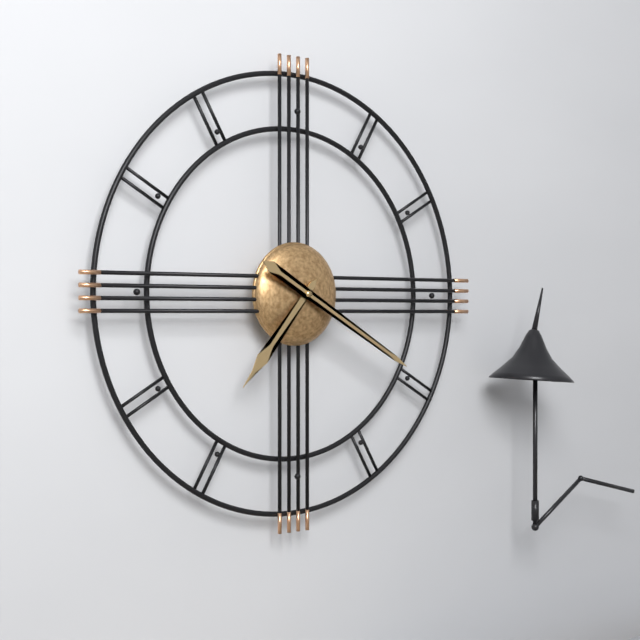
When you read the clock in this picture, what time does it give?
7:20
